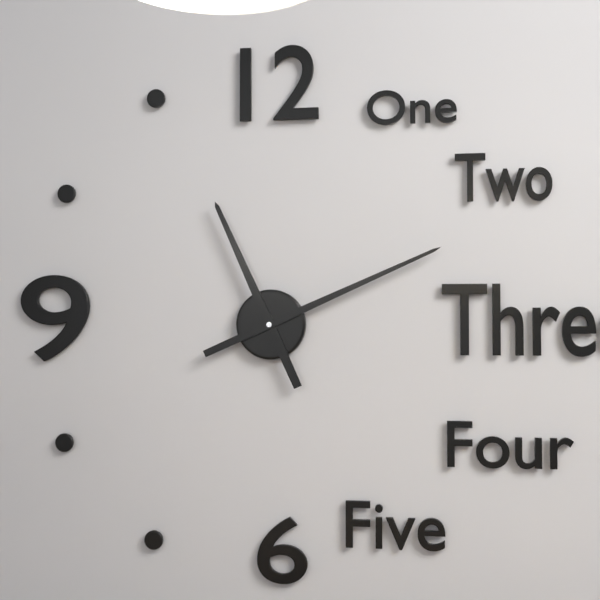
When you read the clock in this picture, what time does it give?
11:11
